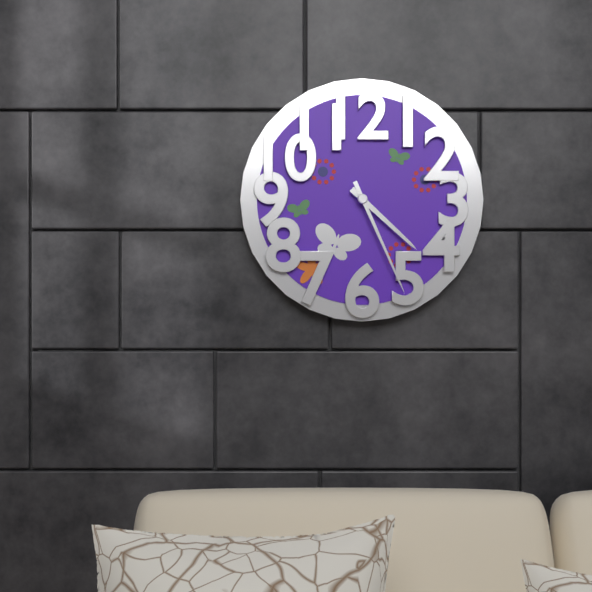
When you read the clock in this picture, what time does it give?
4:26
